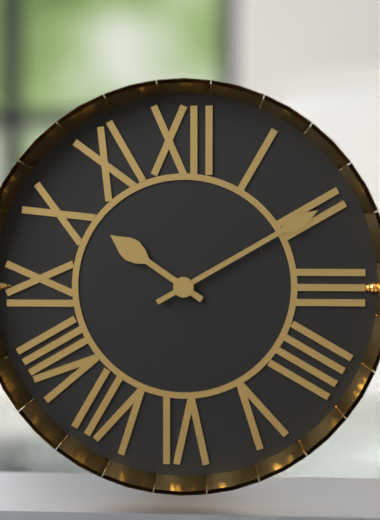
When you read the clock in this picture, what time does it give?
10:10
